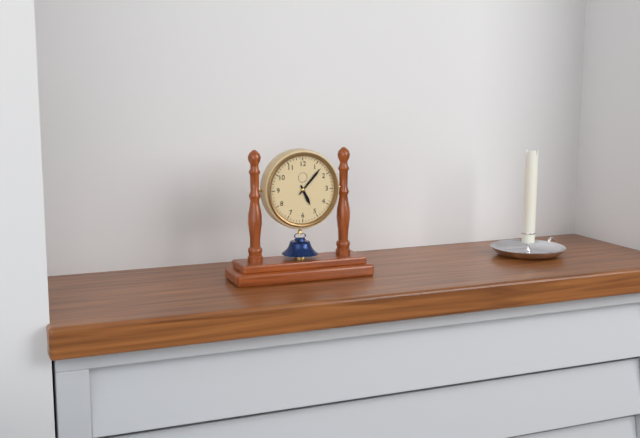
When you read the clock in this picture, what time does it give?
5:07
